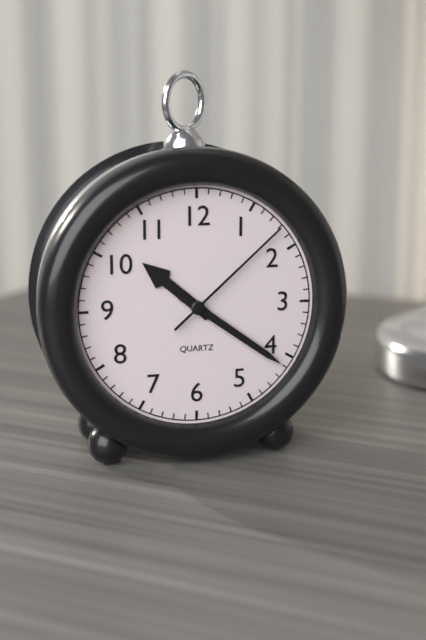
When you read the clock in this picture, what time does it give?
10:21:08
